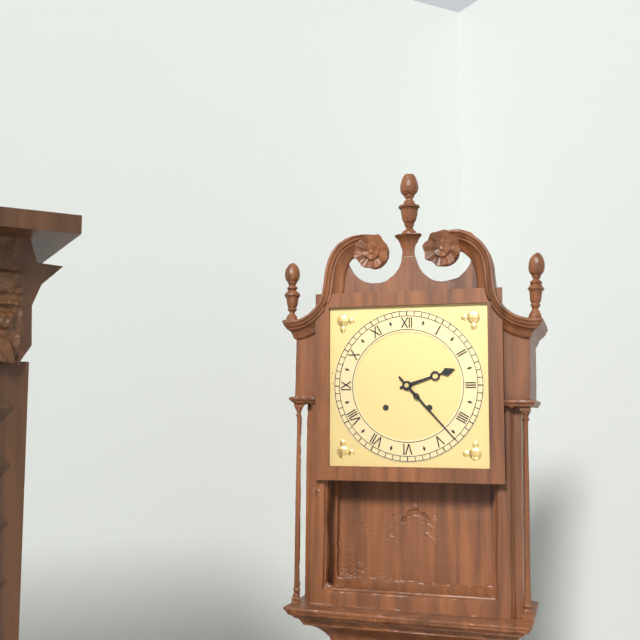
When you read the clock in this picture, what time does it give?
2:23
